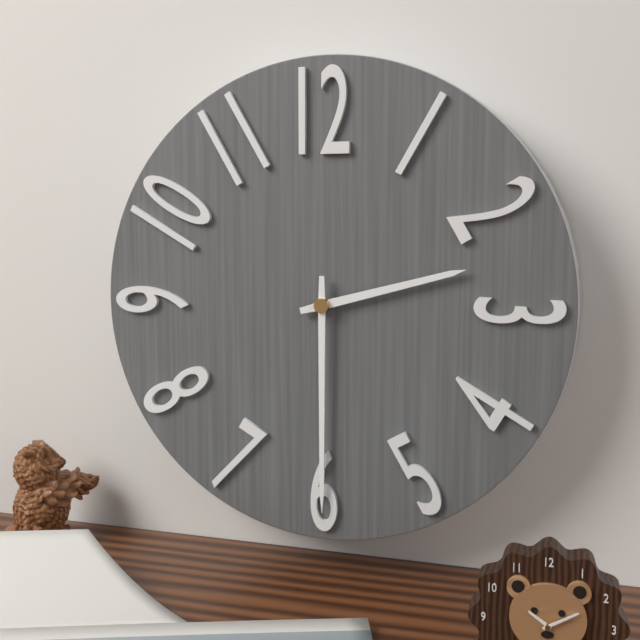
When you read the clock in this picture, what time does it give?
2:30
